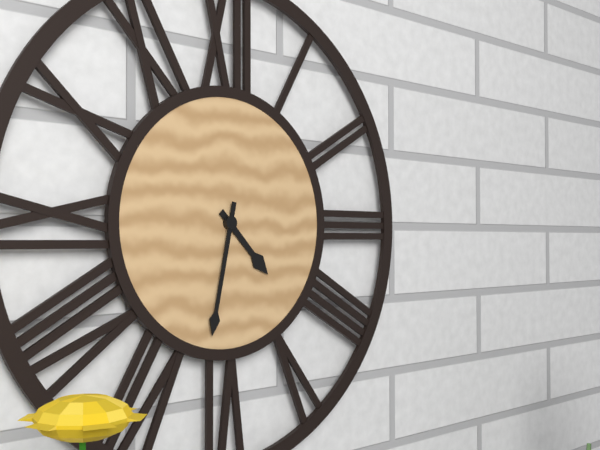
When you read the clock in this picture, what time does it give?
4:32
